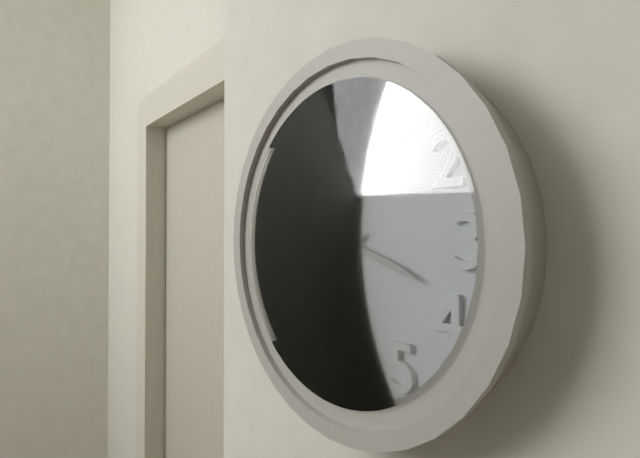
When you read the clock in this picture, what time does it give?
3:39:59
